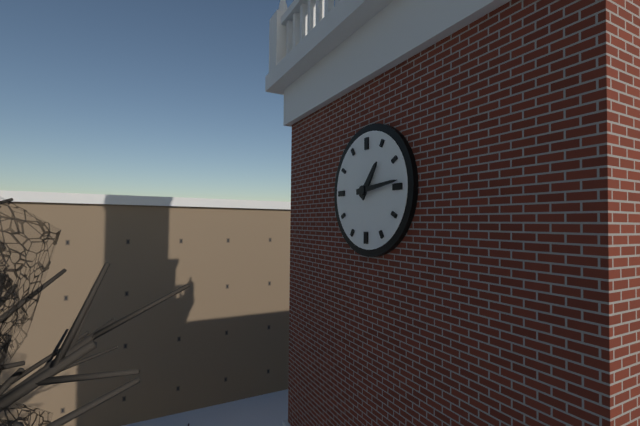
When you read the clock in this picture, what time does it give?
1:14
